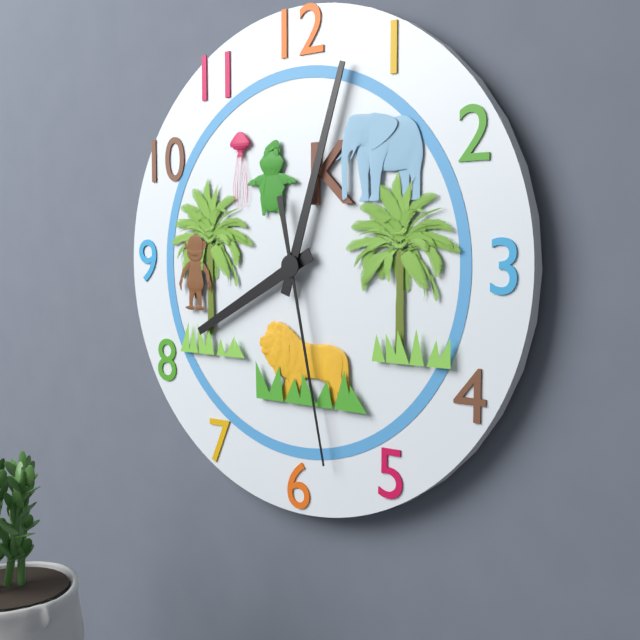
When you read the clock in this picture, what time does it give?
8:03:28
